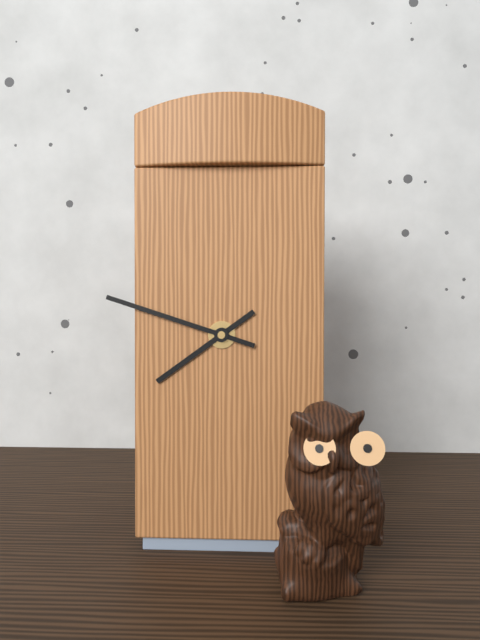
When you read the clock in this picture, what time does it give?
7:48
